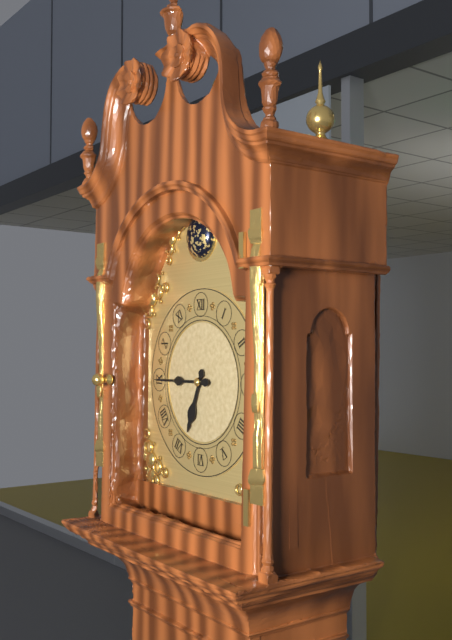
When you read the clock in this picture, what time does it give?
6:45
